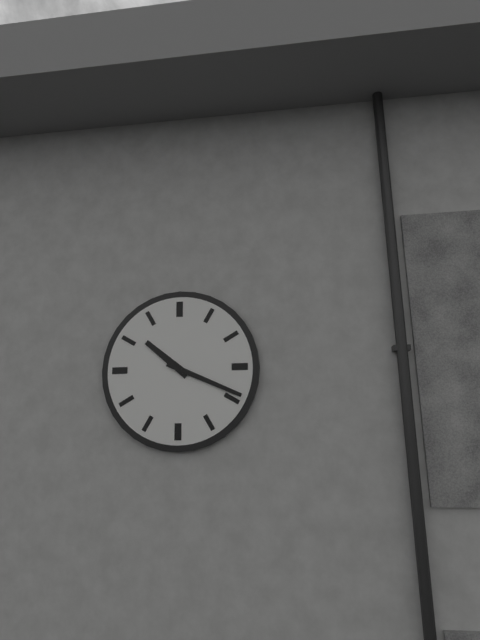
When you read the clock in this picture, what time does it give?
10:19
